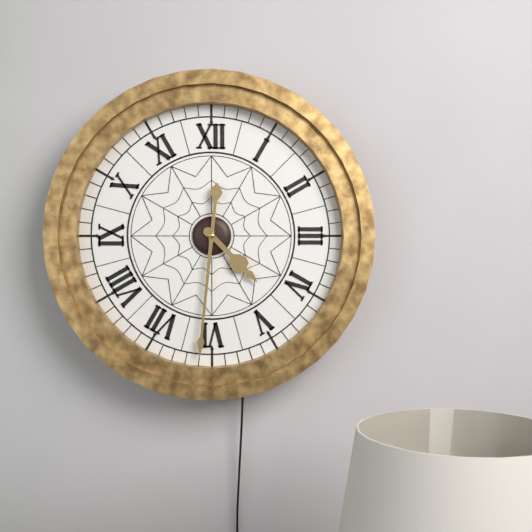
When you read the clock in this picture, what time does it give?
4:31
